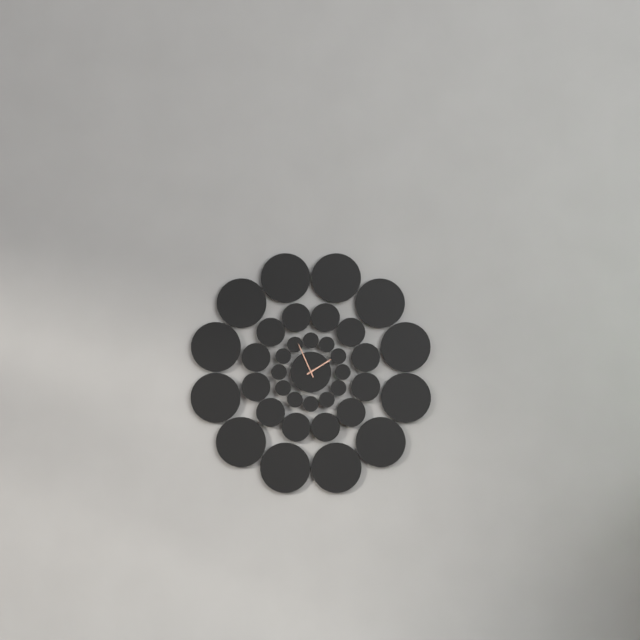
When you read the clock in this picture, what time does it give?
1:56
